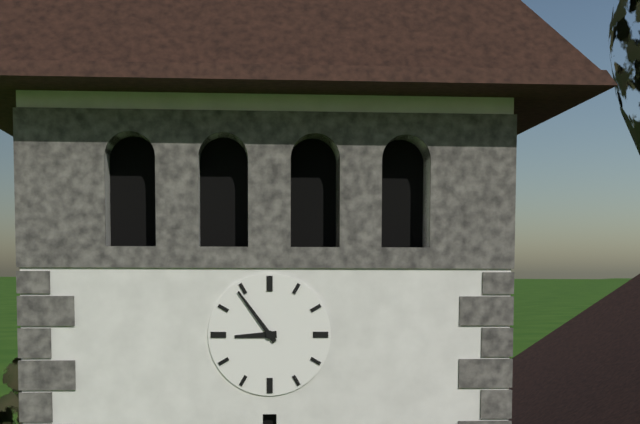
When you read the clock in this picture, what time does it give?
8:54
